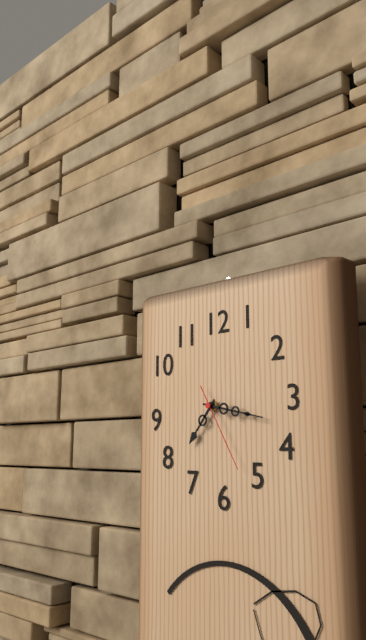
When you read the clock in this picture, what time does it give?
7:17:25
